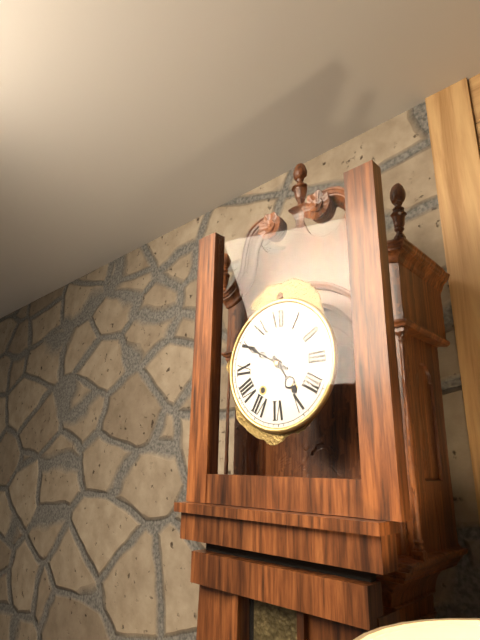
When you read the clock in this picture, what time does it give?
4:50
